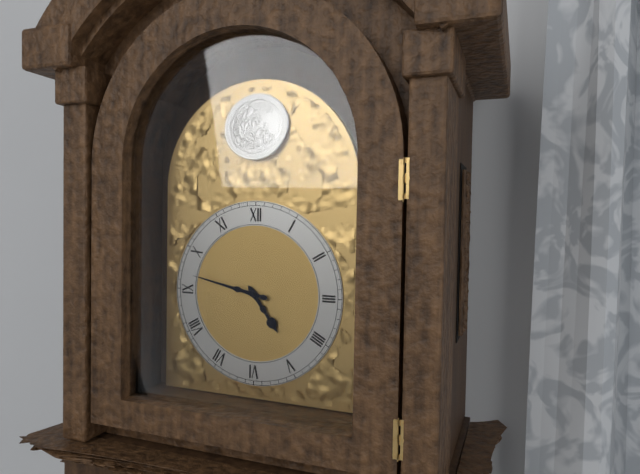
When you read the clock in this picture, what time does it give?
4:47
